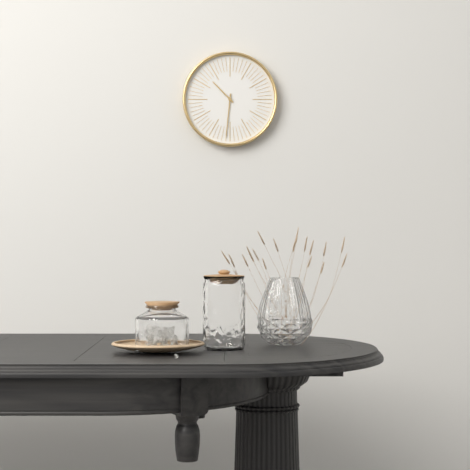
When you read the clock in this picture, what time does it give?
10:31
